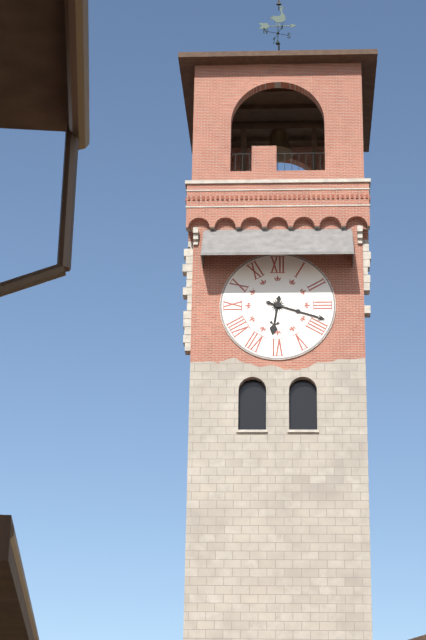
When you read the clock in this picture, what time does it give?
6:18
